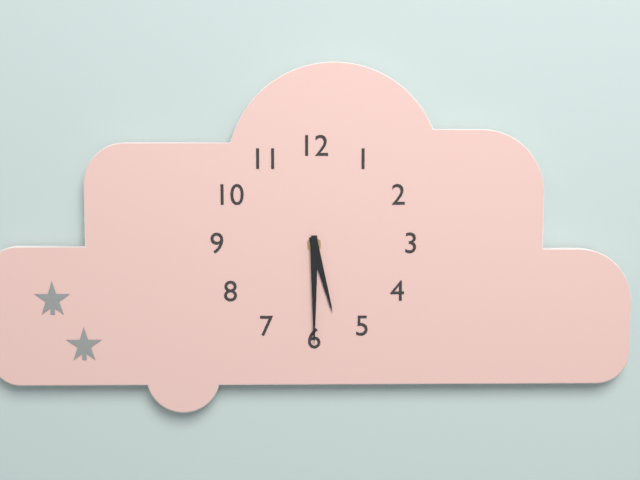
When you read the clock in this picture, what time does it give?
5:30
